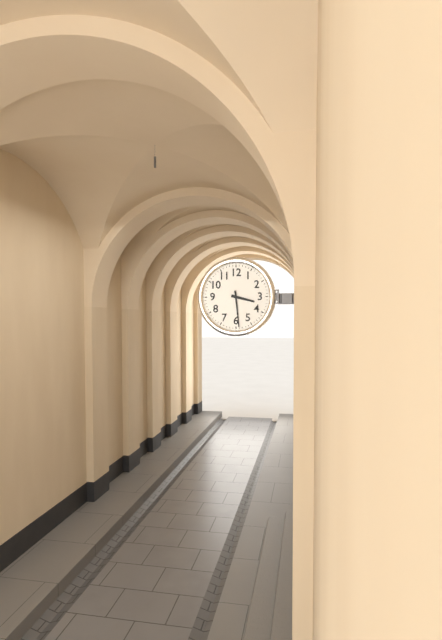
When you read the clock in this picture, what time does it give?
3:29
